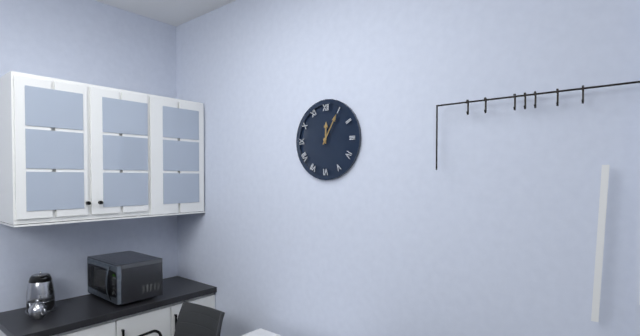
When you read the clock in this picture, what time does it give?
12:05
